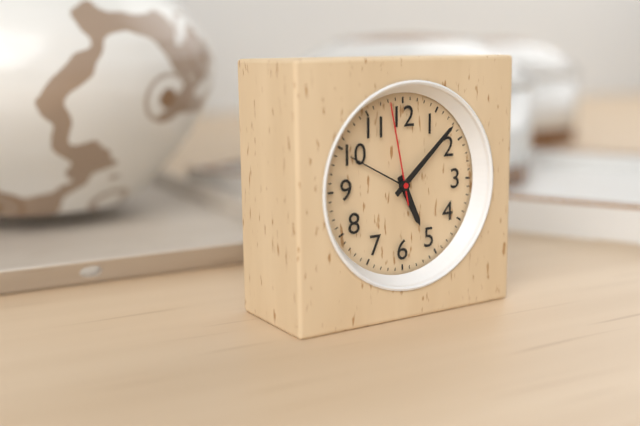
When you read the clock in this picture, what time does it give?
5:08:58
